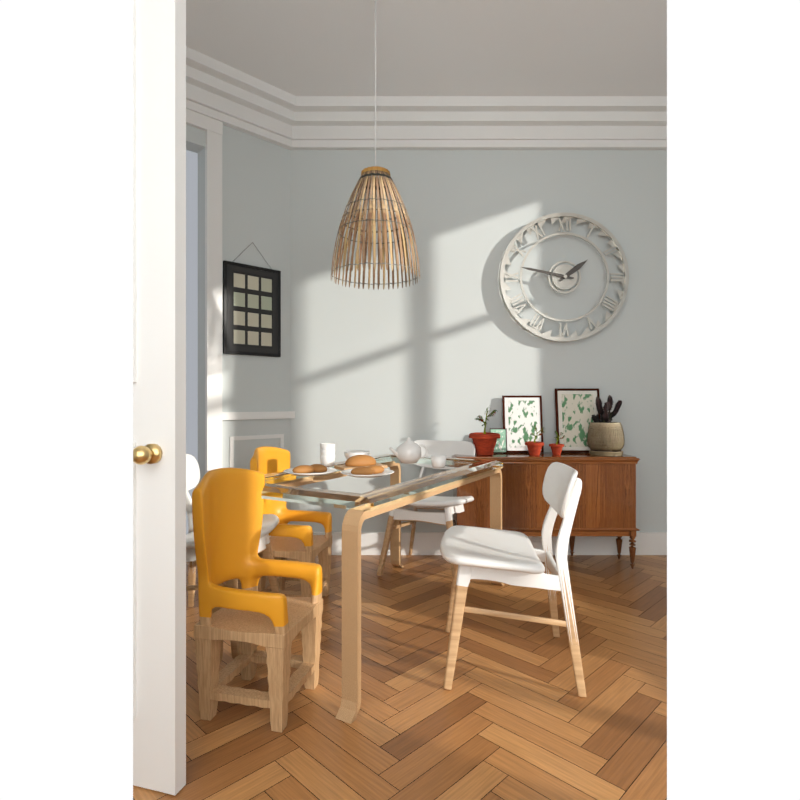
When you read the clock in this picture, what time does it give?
1:47
